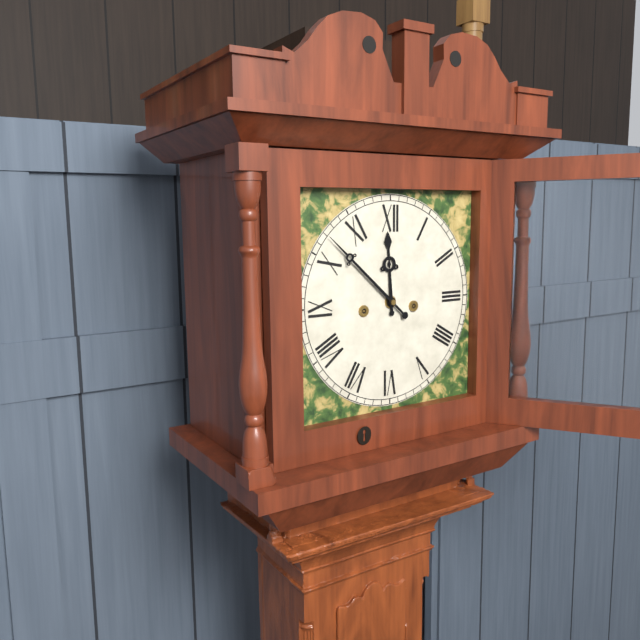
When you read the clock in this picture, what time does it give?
11:52
